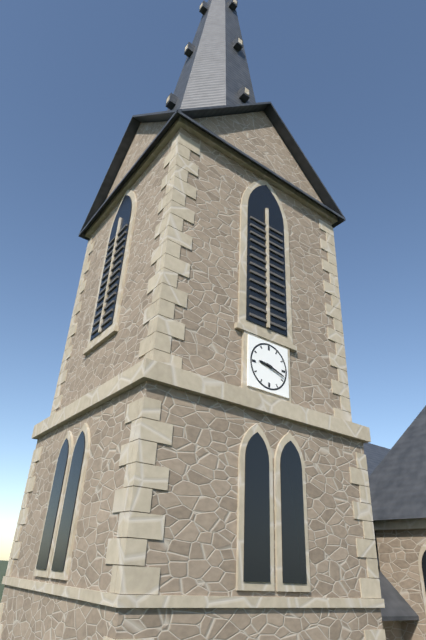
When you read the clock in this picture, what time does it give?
9:18
